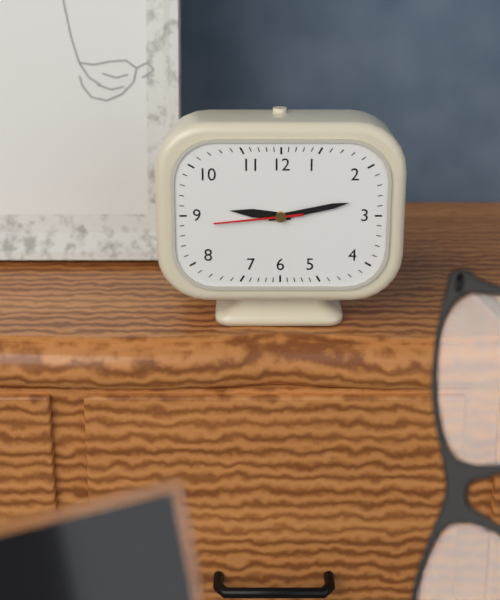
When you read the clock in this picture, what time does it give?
9:13:44
